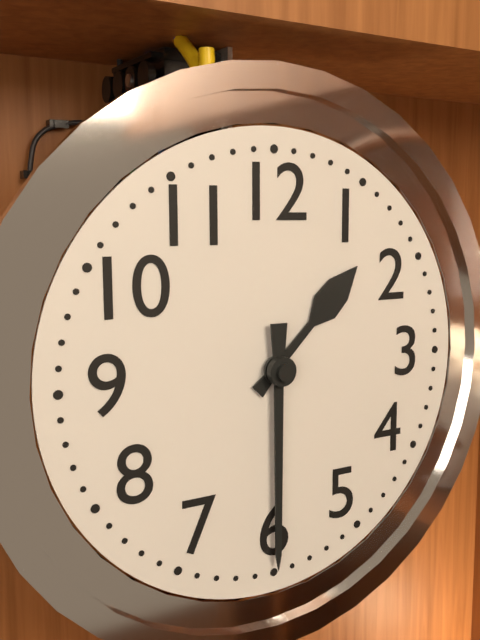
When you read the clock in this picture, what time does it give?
1:30
